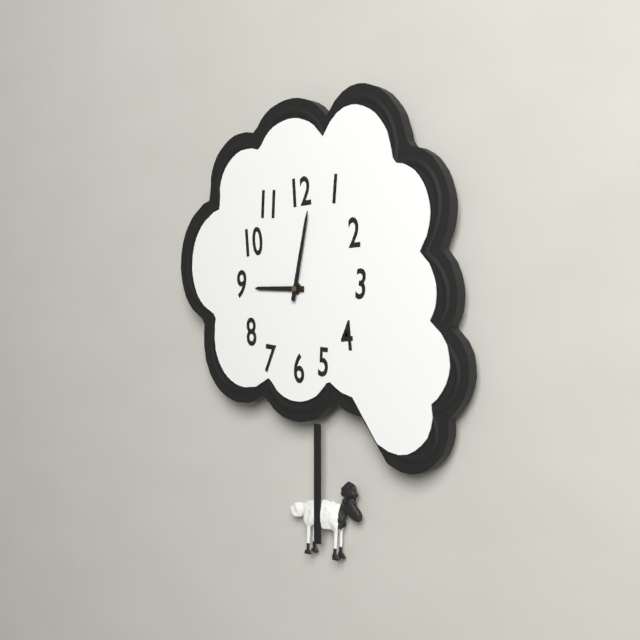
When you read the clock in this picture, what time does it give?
9:02
